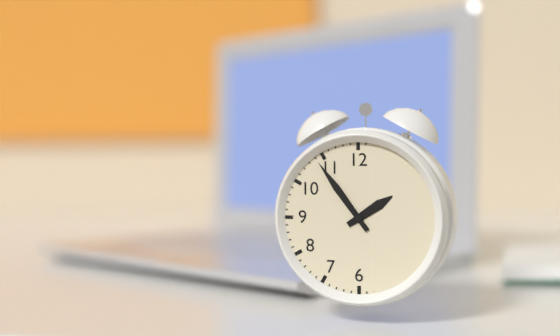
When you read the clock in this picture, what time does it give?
1:54
